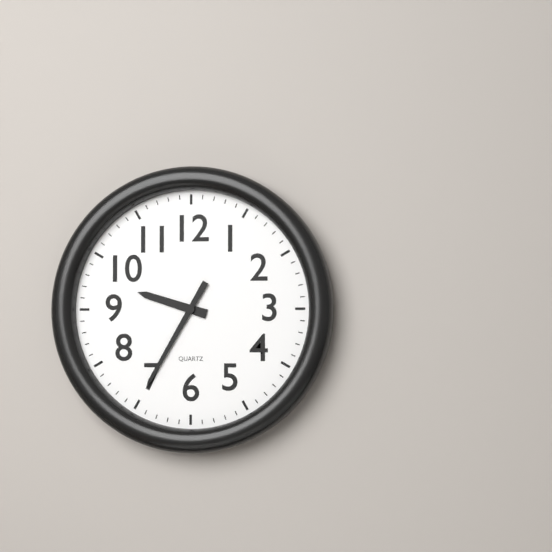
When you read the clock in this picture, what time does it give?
9:35
